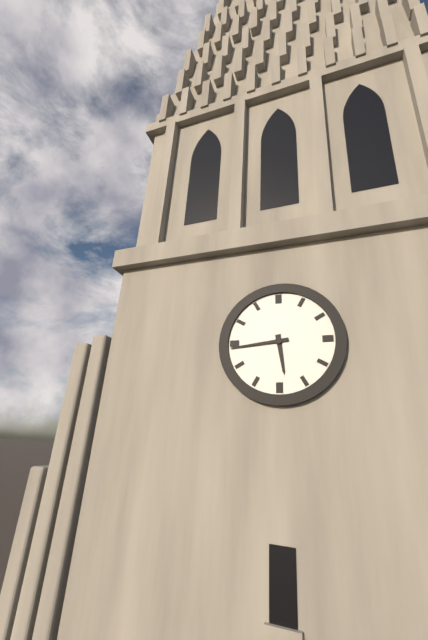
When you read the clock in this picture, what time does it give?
5:44
